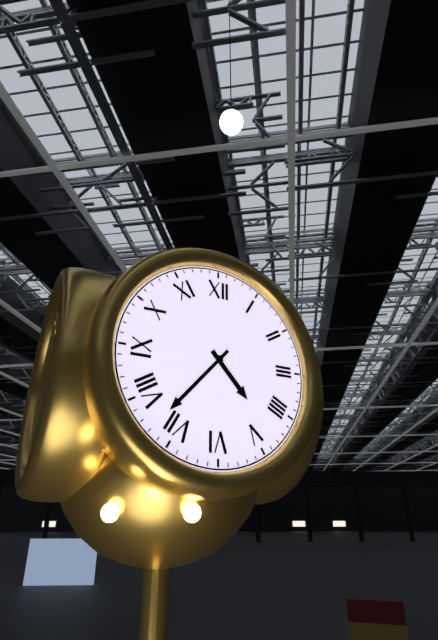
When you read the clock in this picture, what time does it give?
4:37
